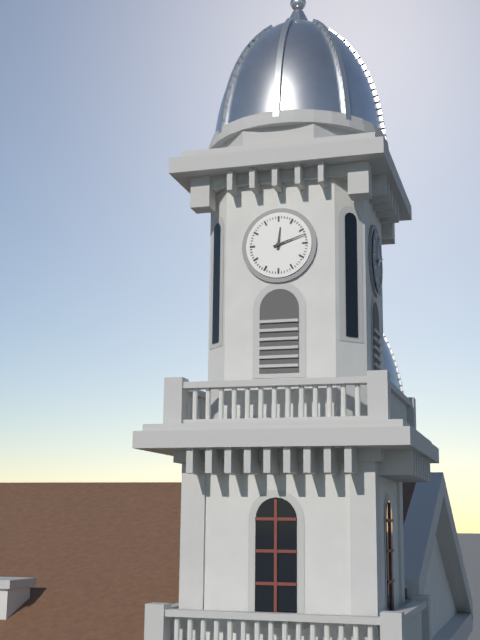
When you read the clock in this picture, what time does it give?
12:12
